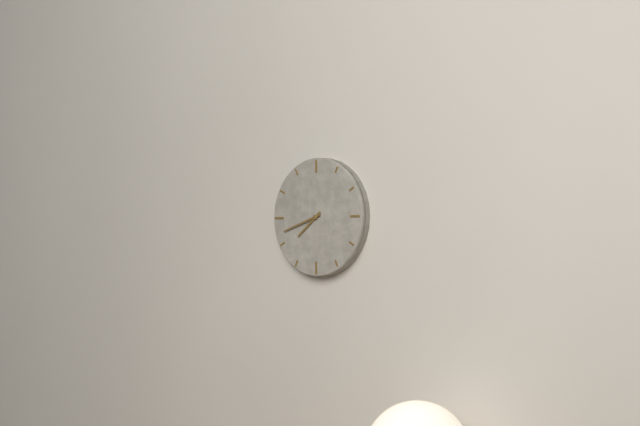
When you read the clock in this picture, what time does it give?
7:42
